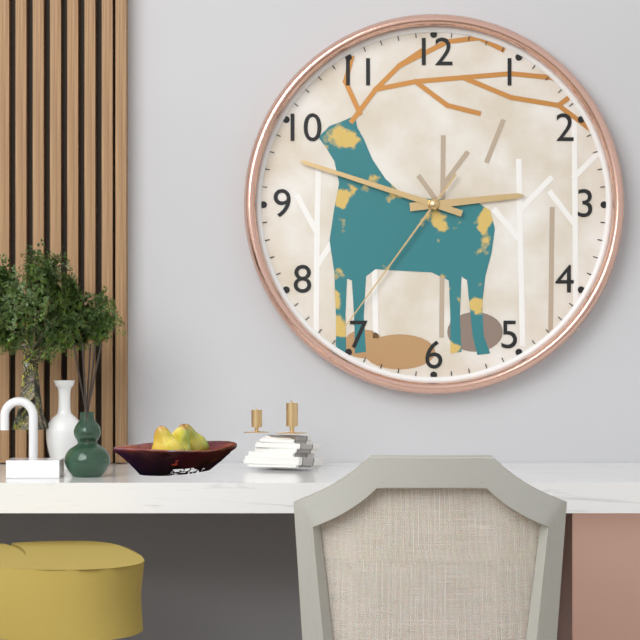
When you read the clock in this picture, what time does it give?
2:48:36
